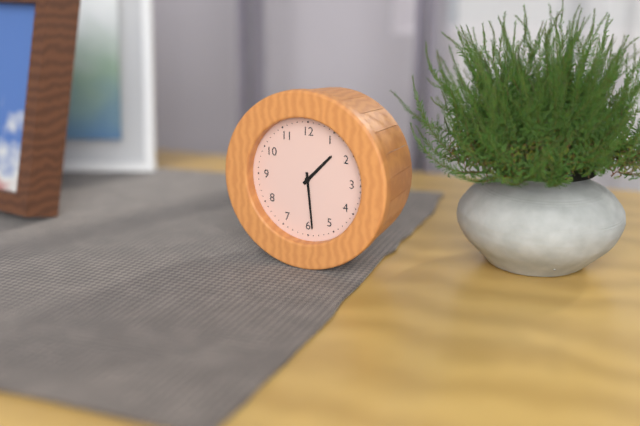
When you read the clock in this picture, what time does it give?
1:29
